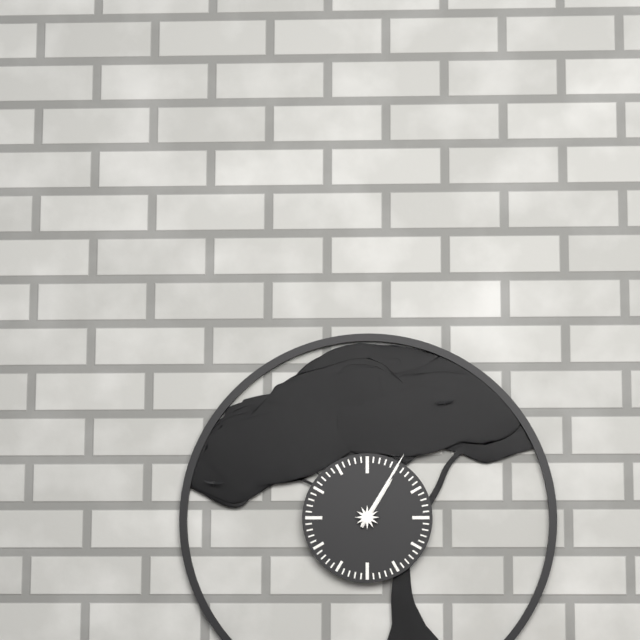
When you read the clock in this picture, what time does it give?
1:05
